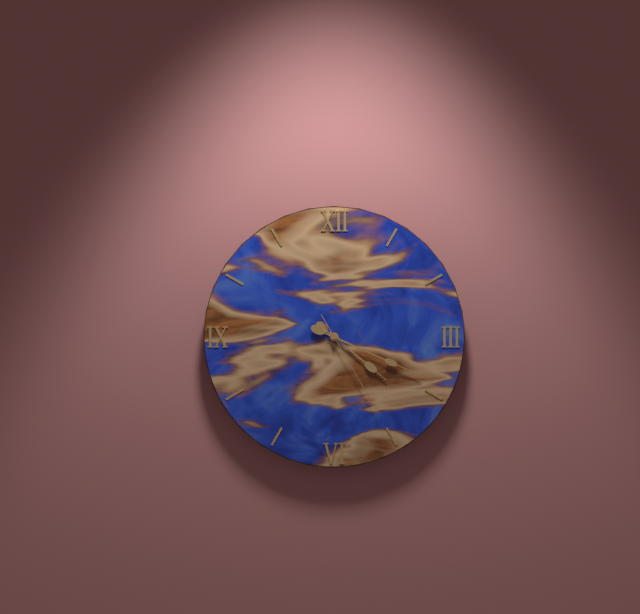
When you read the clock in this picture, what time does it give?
4:19:25
